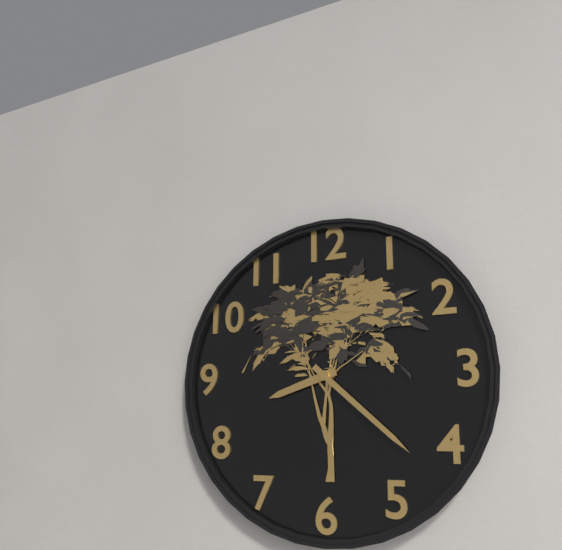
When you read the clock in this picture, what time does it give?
8:22
